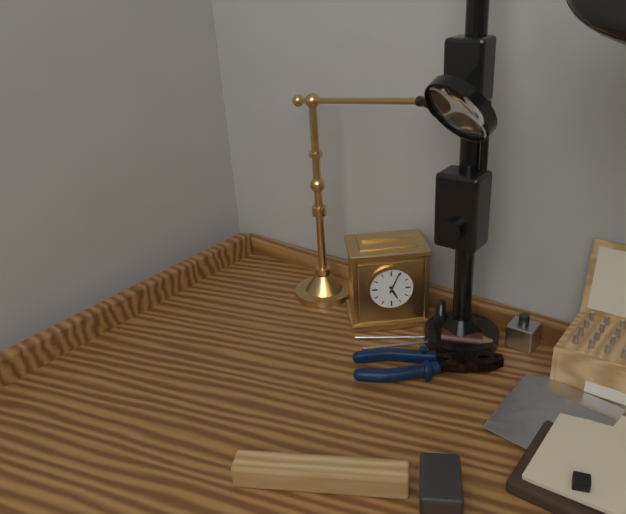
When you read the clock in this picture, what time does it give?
5:04
